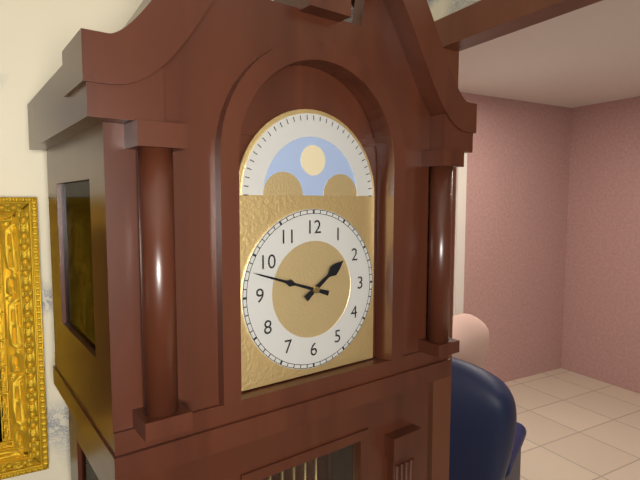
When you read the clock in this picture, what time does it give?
1:48
